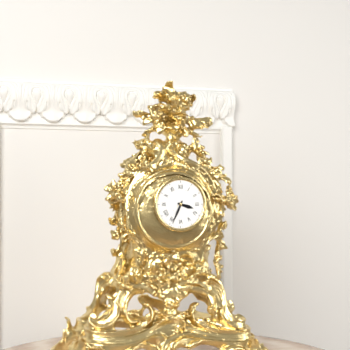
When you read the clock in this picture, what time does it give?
3:34
